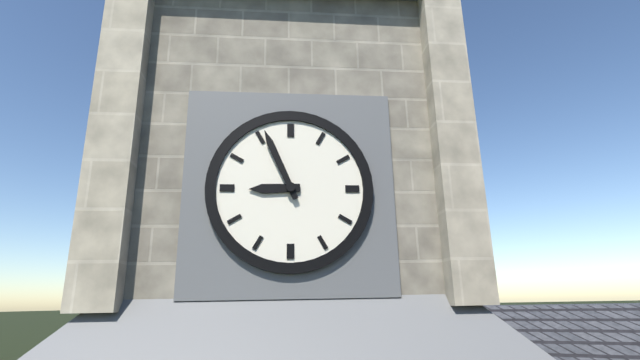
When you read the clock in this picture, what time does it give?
8:56
